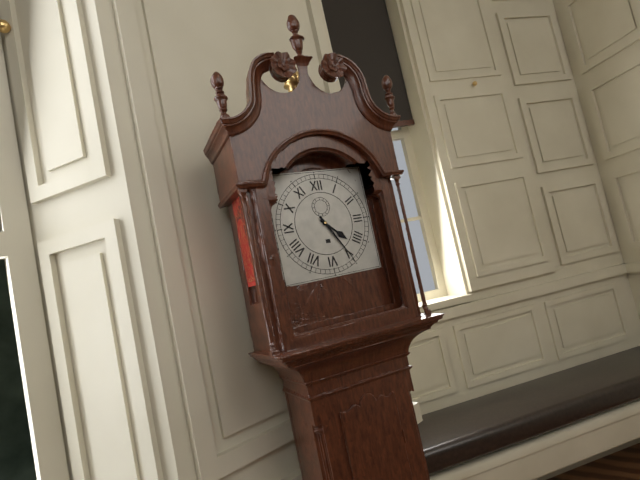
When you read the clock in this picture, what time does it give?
4:25
